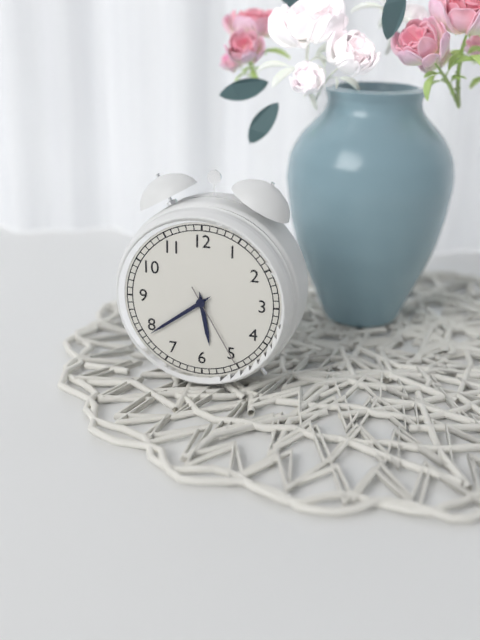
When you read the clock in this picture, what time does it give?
5:39:25
